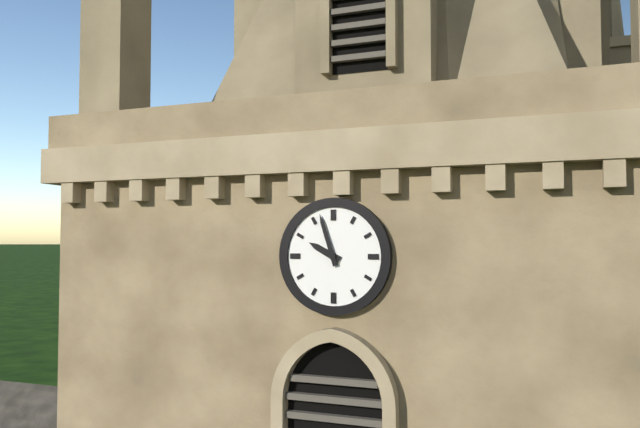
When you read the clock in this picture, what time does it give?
9:57
